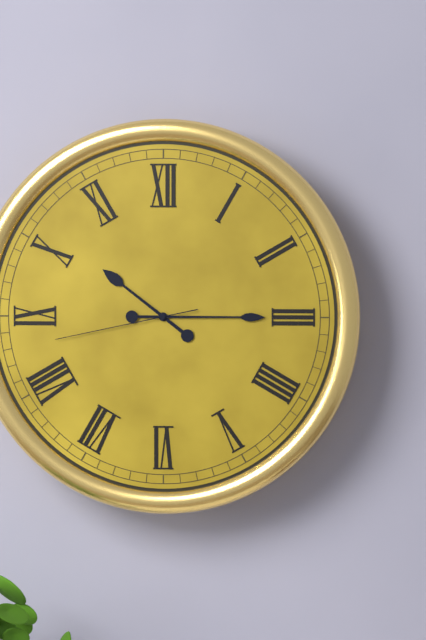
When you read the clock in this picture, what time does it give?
10:15:43
